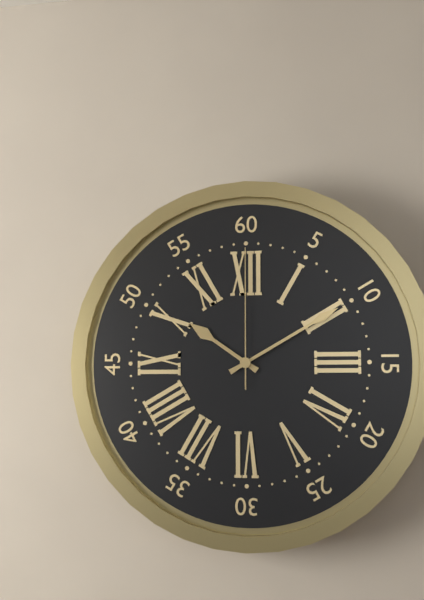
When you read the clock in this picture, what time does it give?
10:10:00
